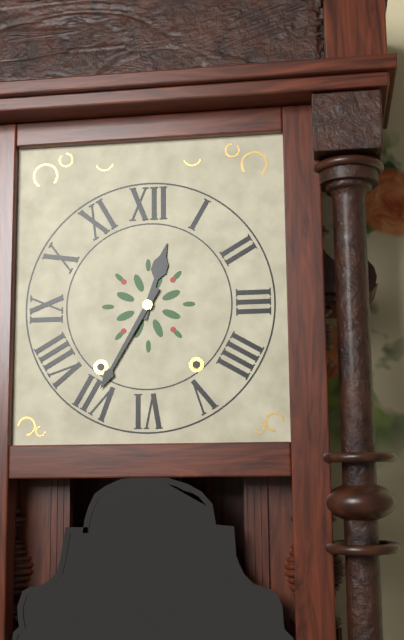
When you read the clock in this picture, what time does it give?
12:35
